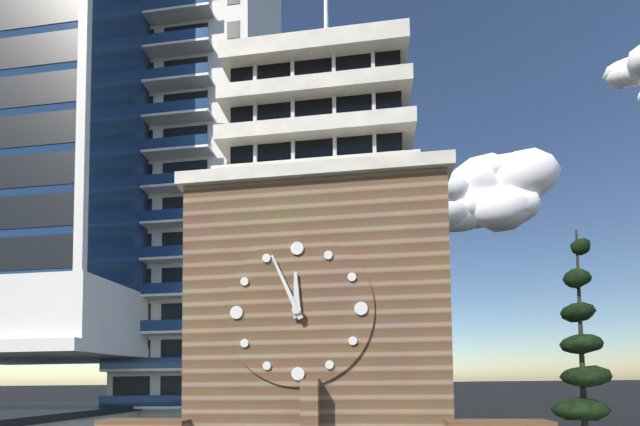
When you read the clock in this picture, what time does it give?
11:56
